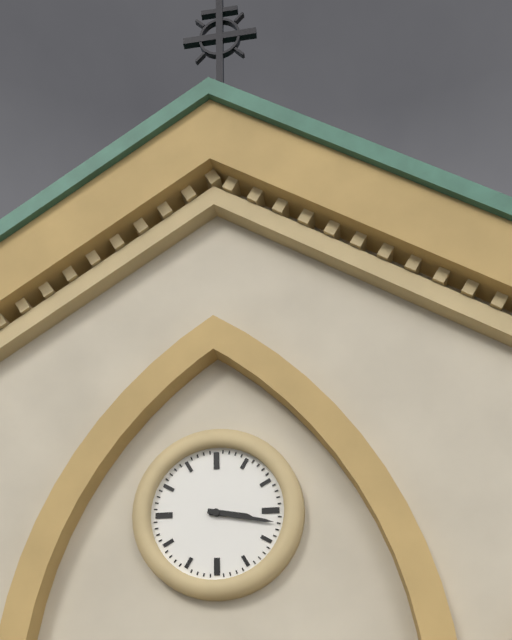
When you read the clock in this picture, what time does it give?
3:17
